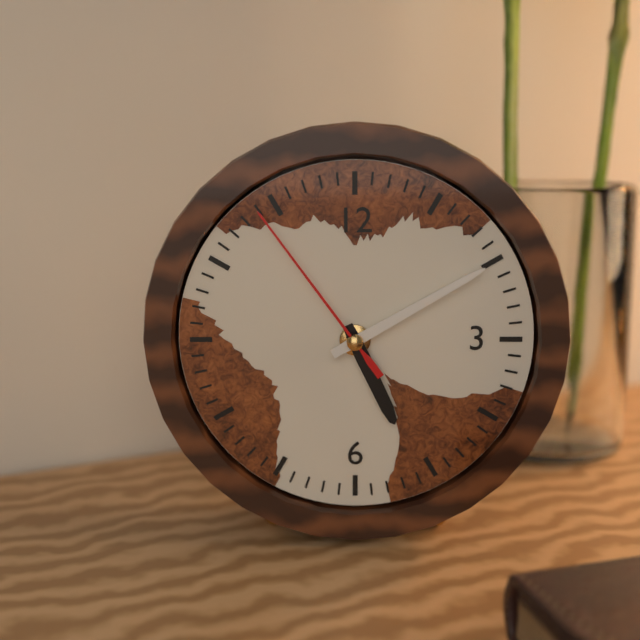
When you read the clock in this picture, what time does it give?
5:10:54
